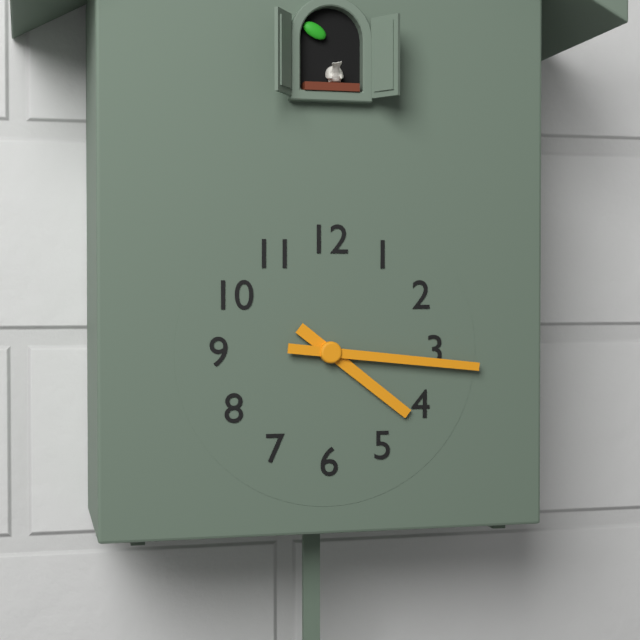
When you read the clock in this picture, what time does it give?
4:16
